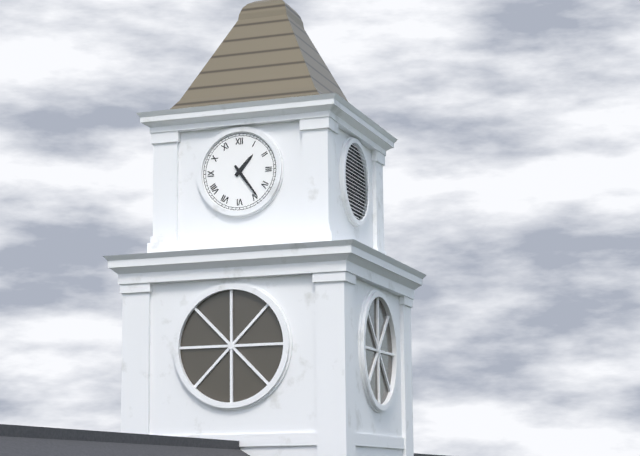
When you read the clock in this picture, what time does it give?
1:24
